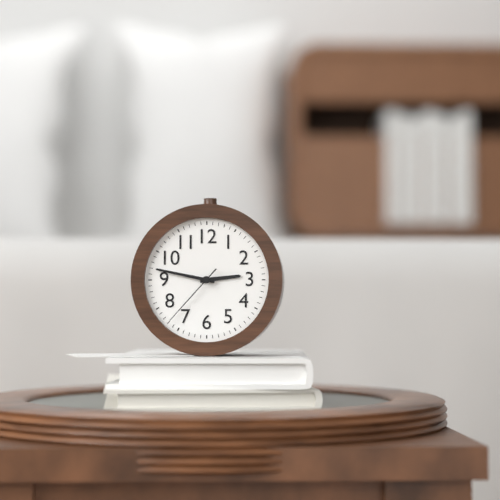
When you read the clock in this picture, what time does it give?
2:47:37
